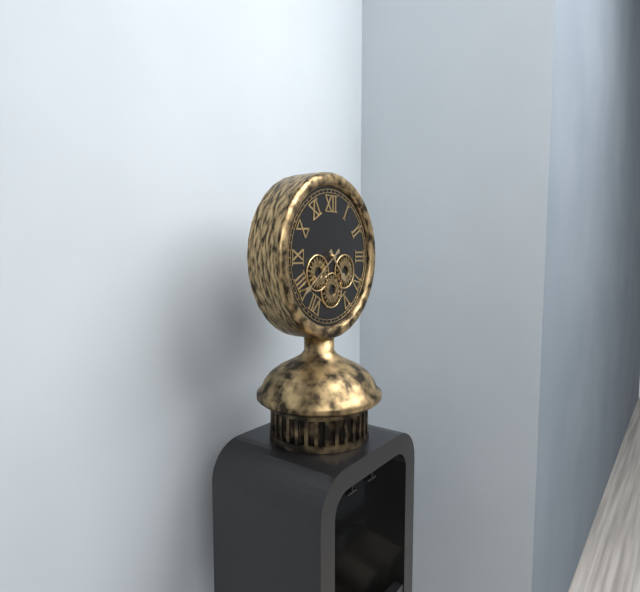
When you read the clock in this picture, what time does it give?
4:39
